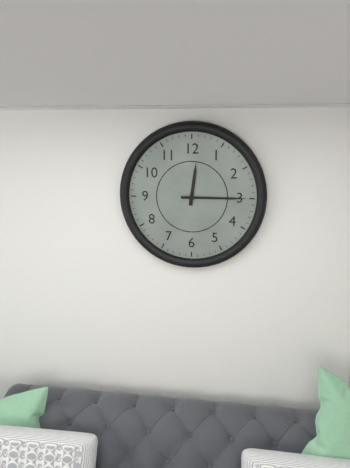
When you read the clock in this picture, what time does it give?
12:15
